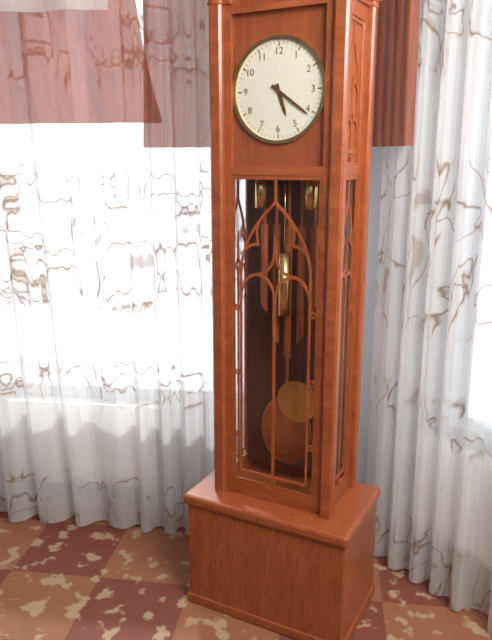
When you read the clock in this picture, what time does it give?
5:21
